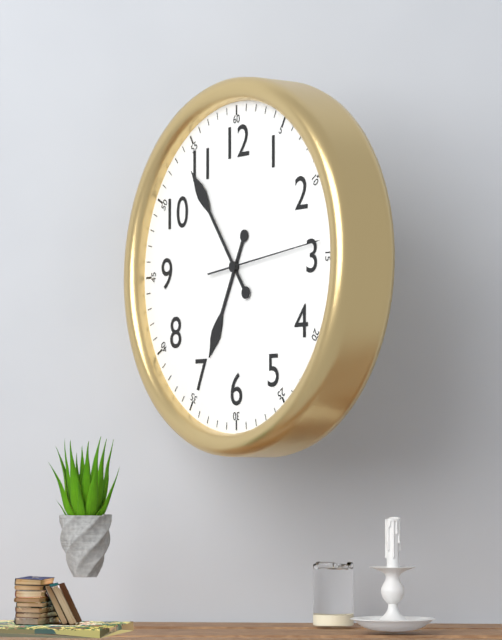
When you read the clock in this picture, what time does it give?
6:54:14
